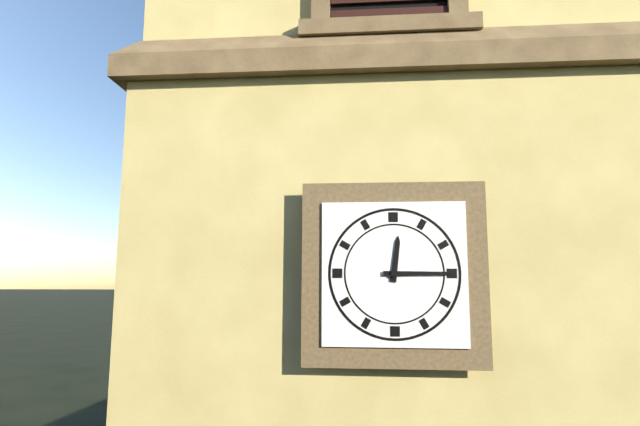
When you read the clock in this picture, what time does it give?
12:15
